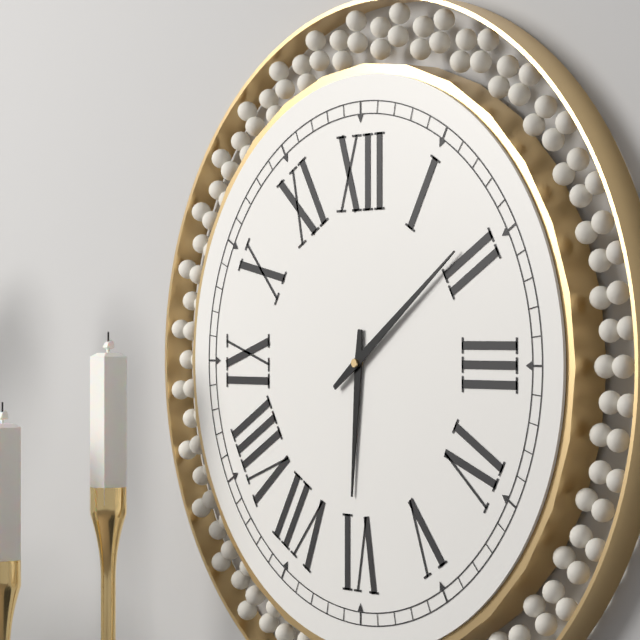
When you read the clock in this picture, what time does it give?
6:09
